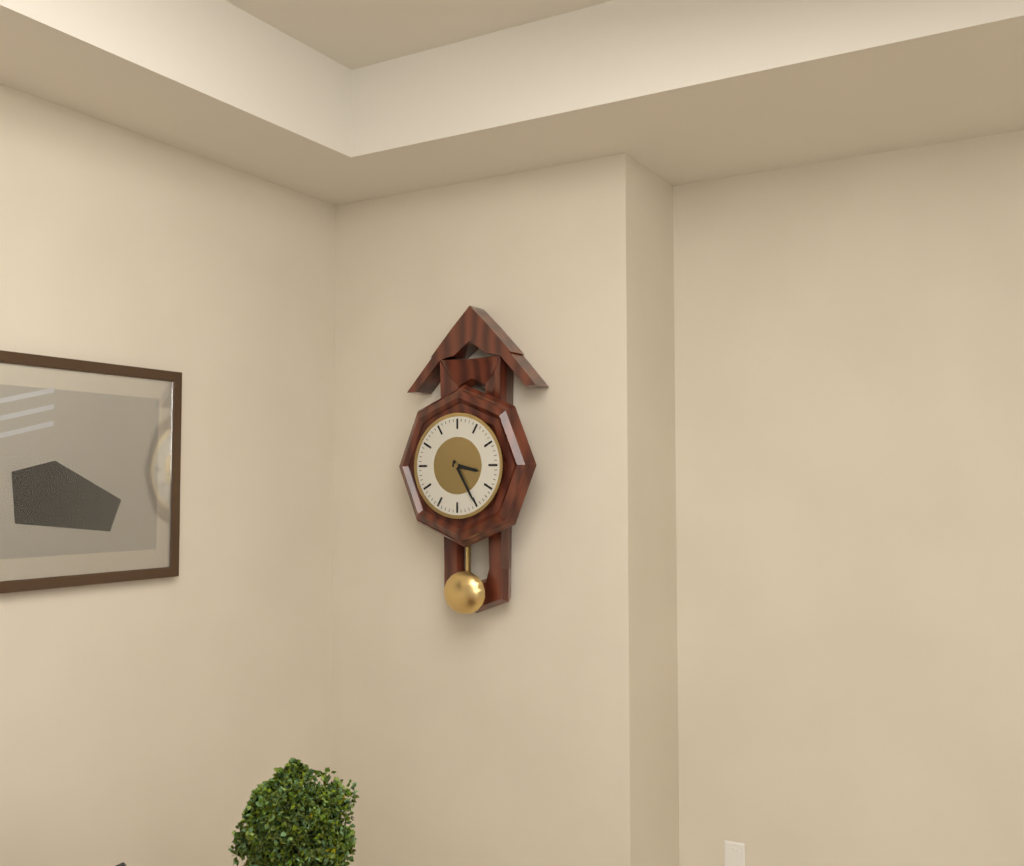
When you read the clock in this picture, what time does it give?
3:25
